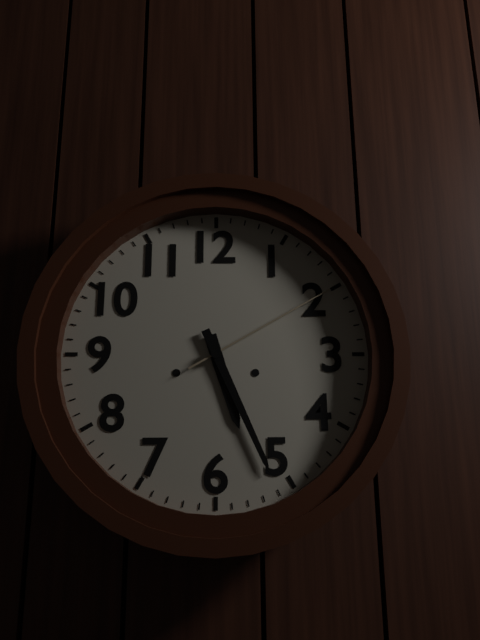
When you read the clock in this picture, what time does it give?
5:26:10
